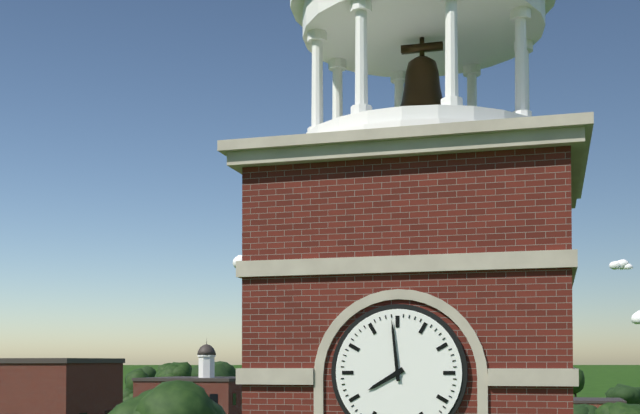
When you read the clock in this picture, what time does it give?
7:59
